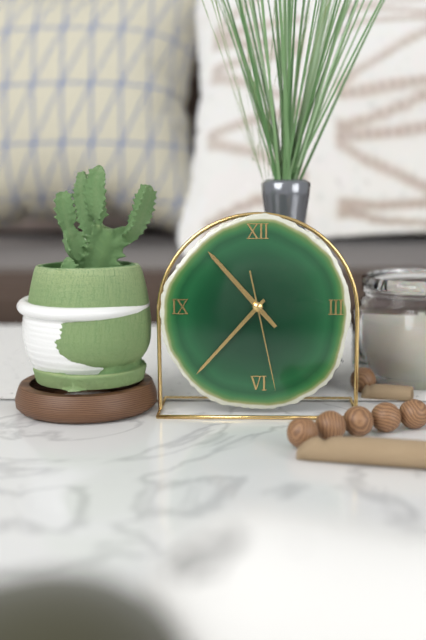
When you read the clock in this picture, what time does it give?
10:37:28
